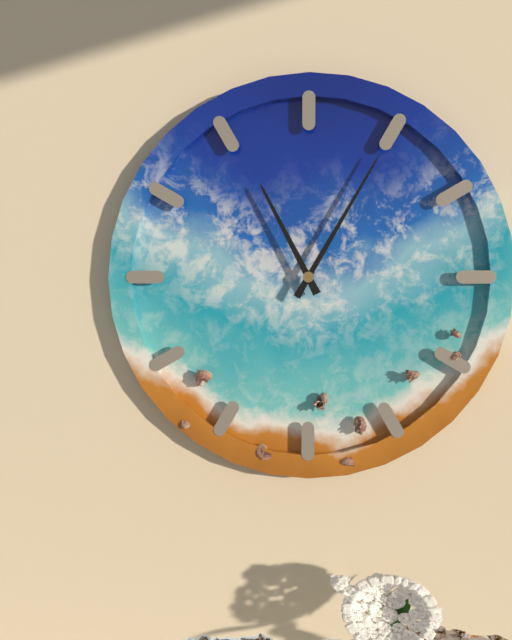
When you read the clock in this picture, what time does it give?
11:05
